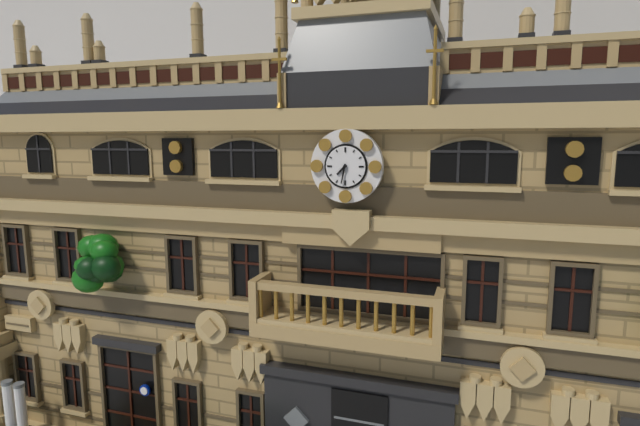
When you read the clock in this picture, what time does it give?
7:32
